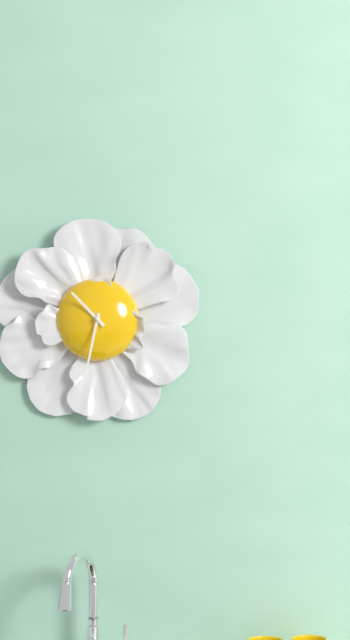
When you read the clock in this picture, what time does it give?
10:32
